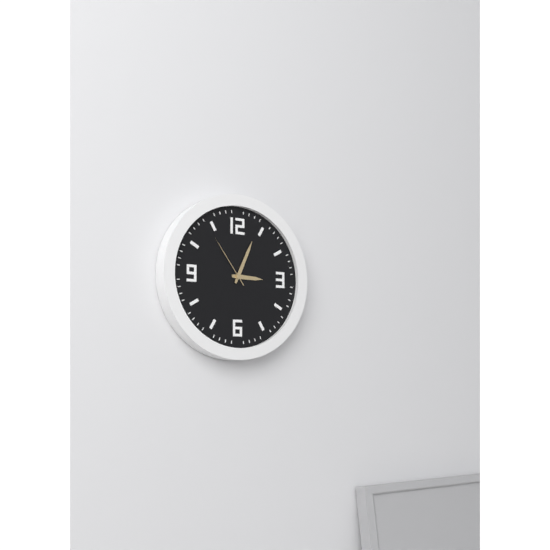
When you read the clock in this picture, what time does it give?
3:04:54
